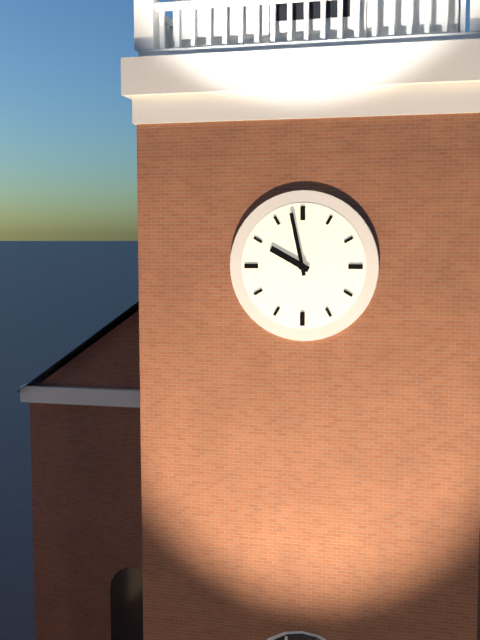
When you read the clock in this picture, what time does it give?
9:58
